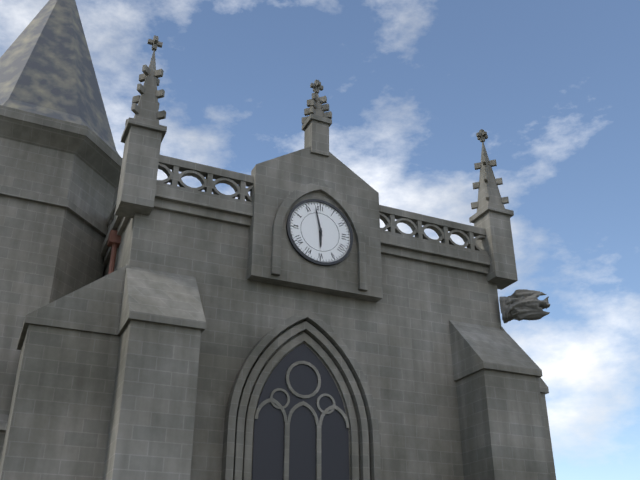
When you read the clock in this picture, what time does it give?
5:58
